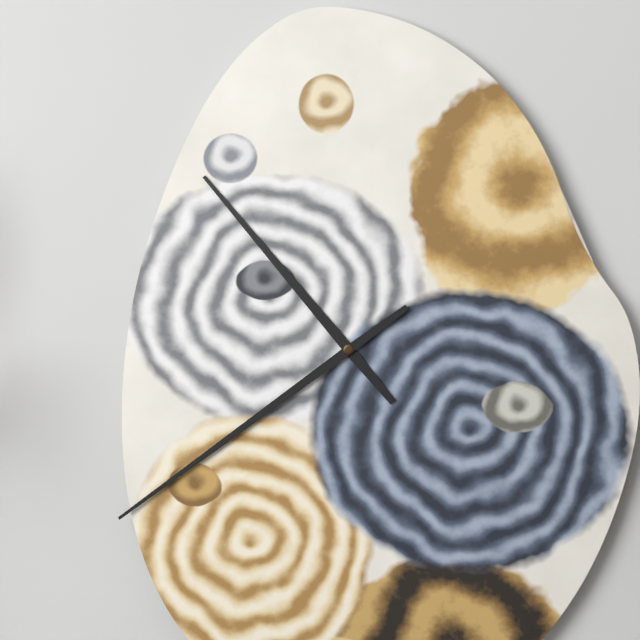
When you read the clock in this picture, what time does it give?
10:39
